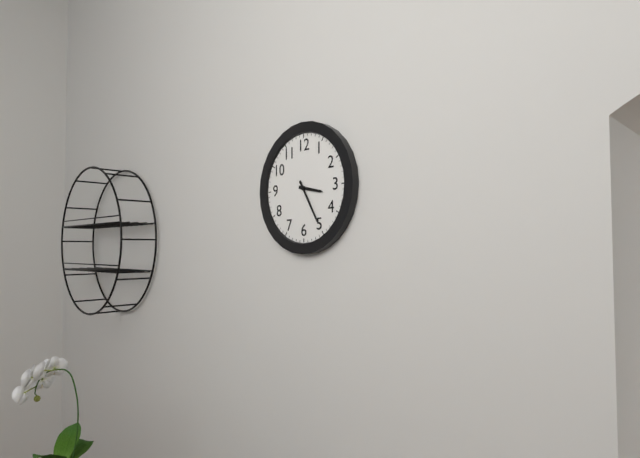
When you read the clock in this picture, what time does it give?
3:25
